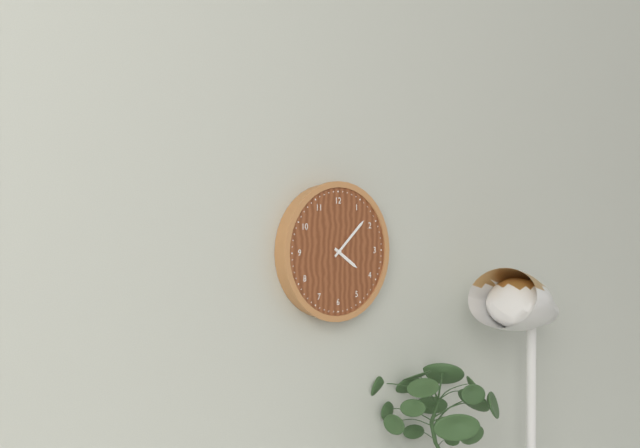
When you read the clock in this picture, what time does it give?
4:08
